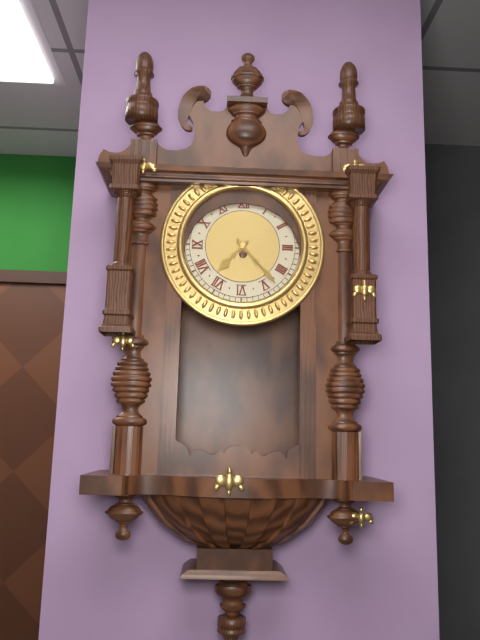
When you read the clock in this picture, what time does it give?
7:23
